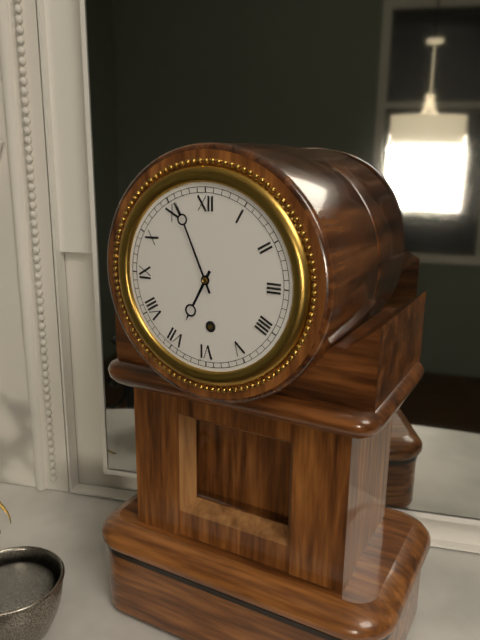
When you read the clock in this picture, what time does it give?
6:56
